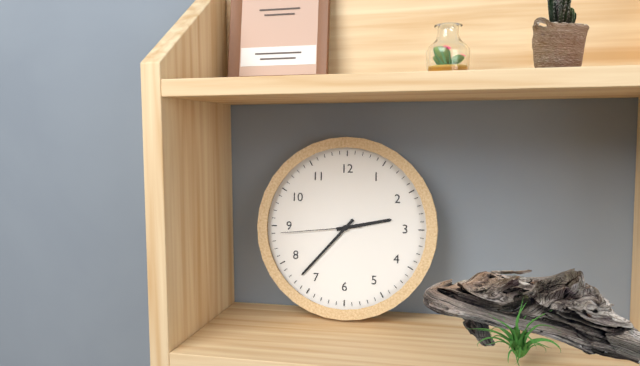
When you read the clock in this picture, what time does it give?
2:37:44
